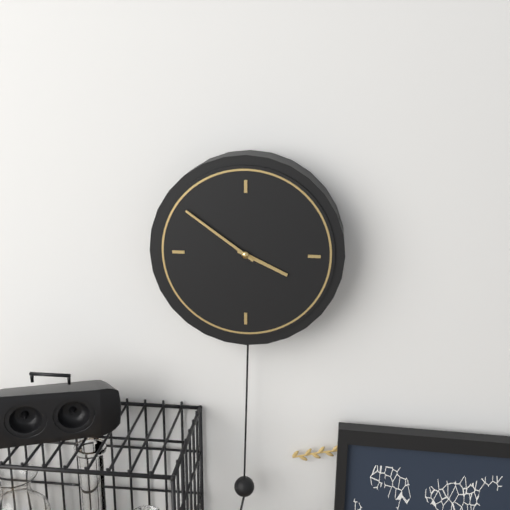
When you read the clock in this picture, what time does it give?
3:51
